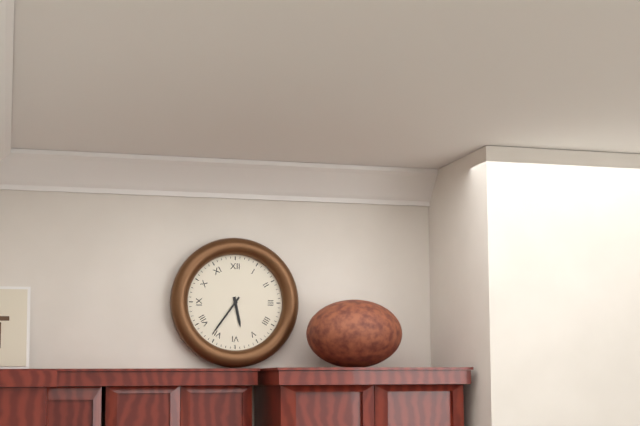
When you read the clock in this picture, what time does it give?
5:36
